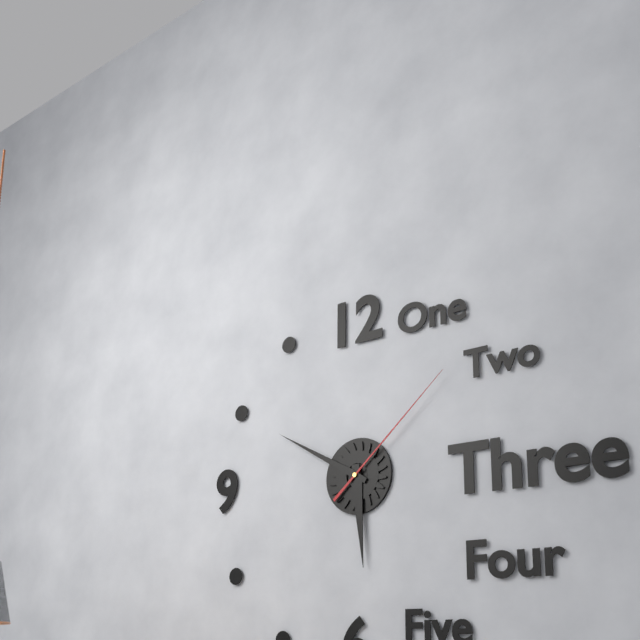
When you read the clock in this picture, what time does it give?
5:50:08
